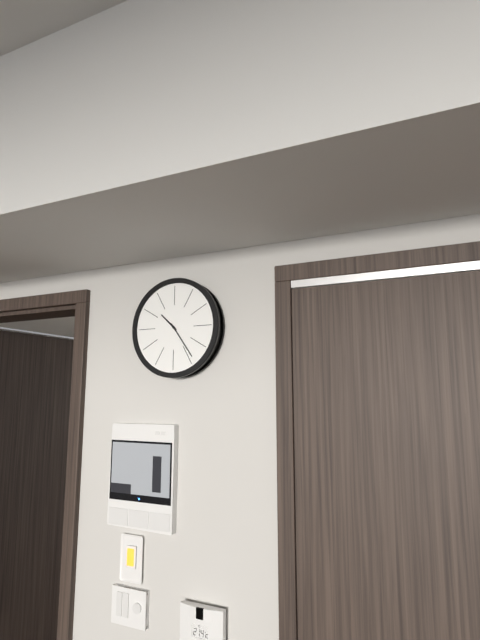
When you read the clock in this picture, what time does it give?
10:24
